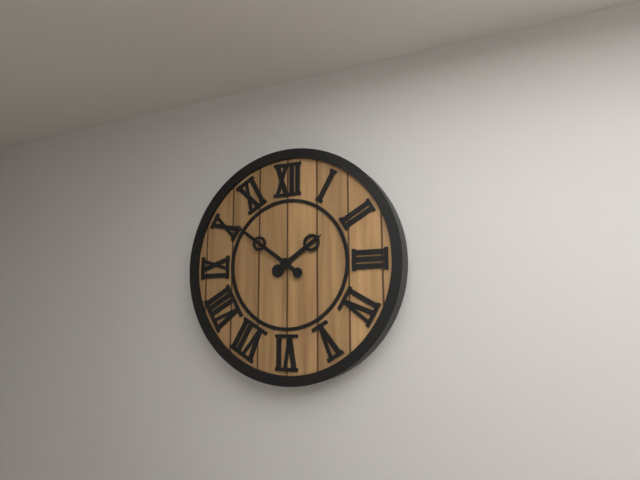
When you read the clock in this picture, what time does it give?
1:51
